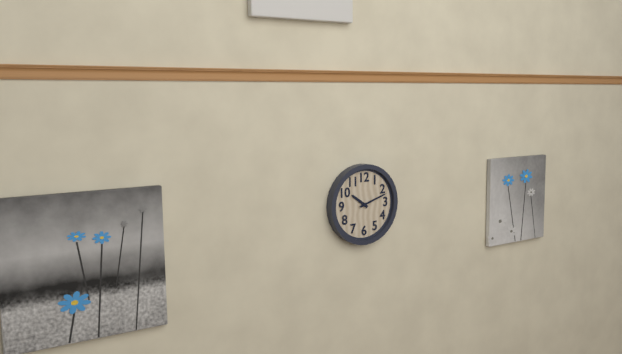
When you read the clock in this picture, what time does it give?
10:12
